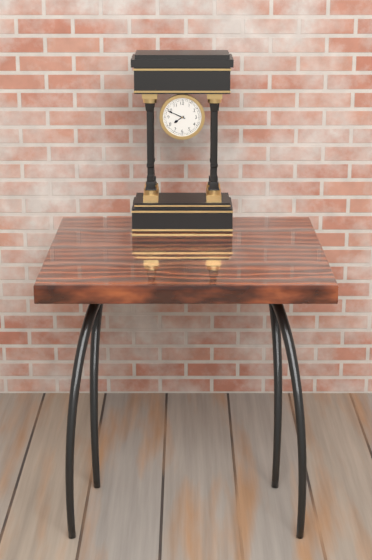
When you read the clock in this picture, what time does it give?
7:49
